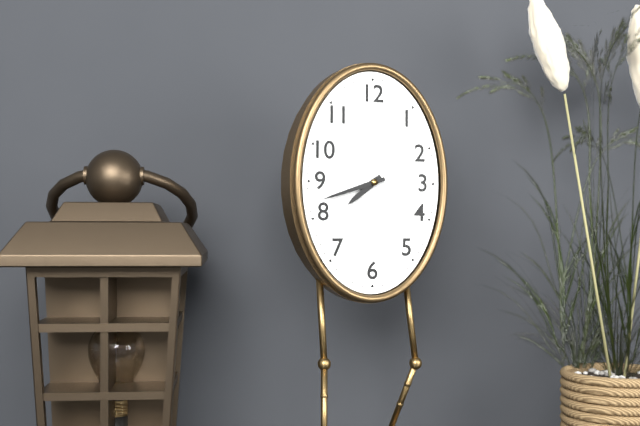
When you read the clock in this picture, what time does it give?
7:42
